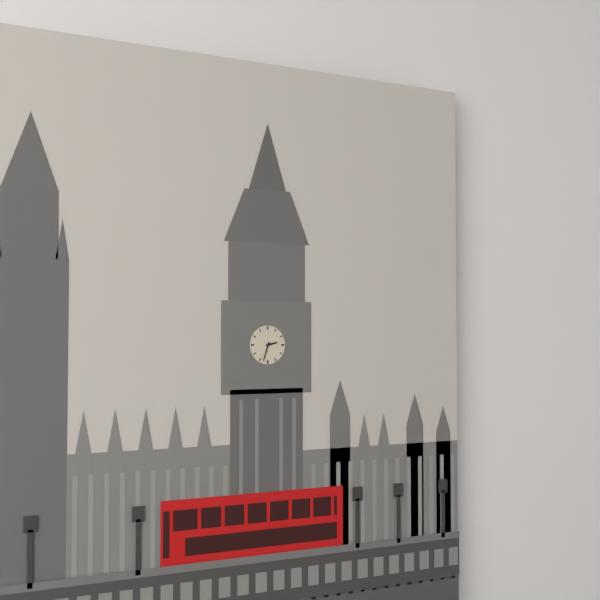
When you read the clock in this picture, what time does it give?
2:33
